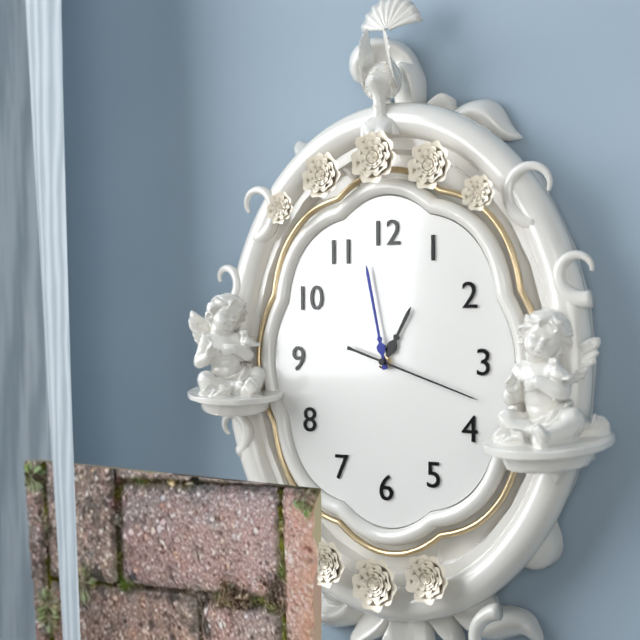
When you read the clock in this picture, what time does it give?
12:58:18
